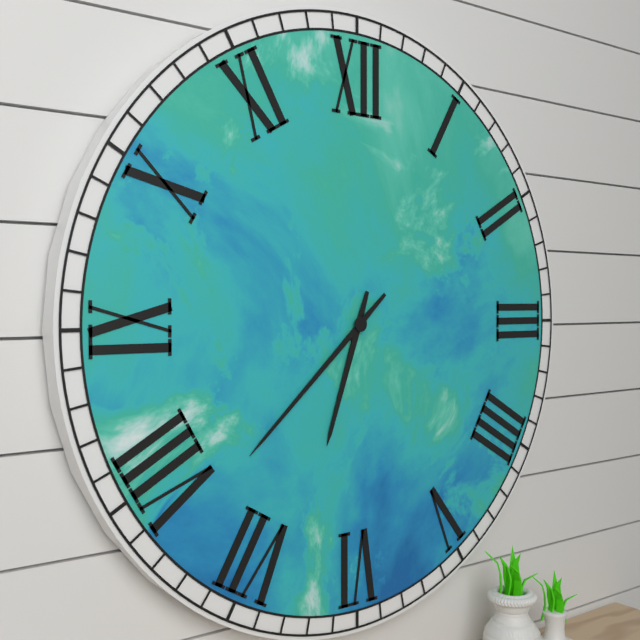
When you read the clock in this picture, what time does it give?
6:38
